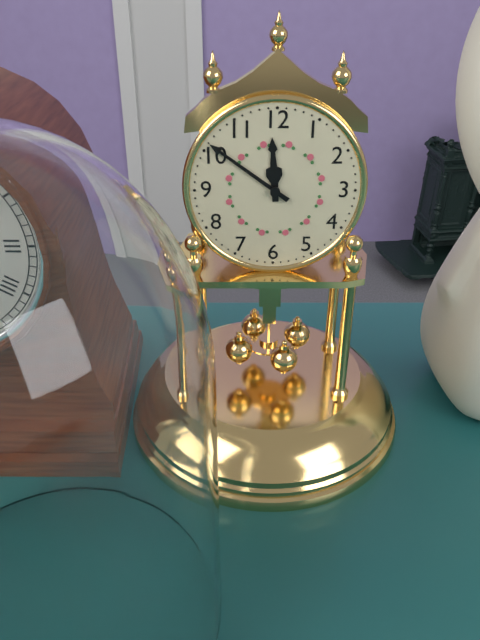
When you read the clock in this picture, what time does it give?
11:51
